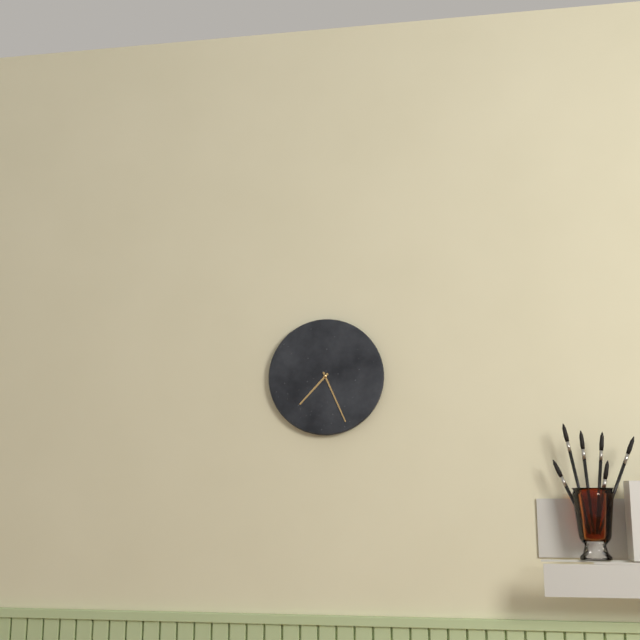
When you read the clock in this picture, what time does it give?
7:26
